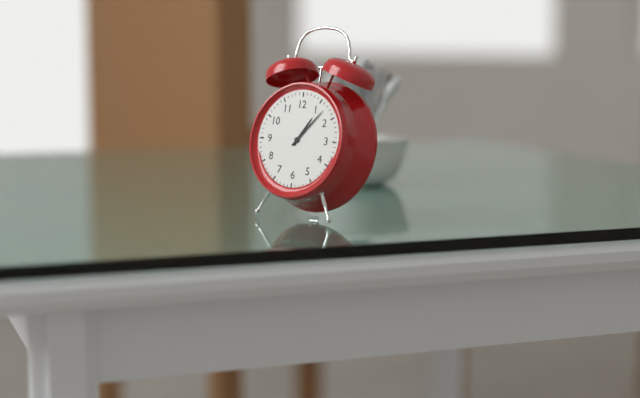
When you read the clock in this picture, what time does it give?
1:07
